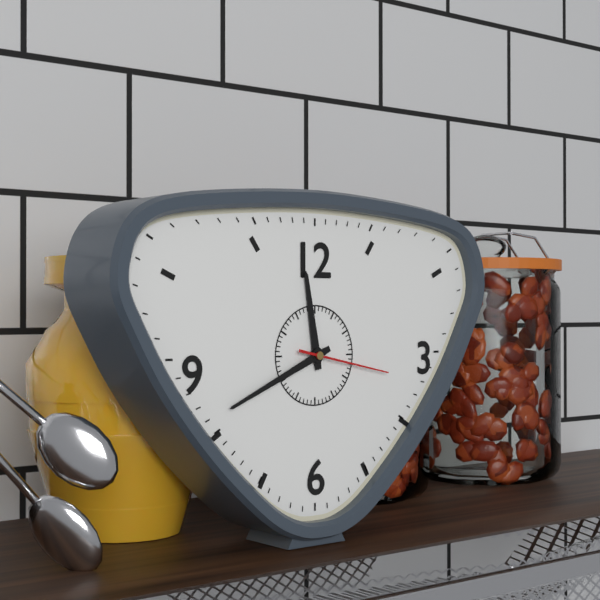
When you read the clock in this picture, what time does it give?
11:41:17
